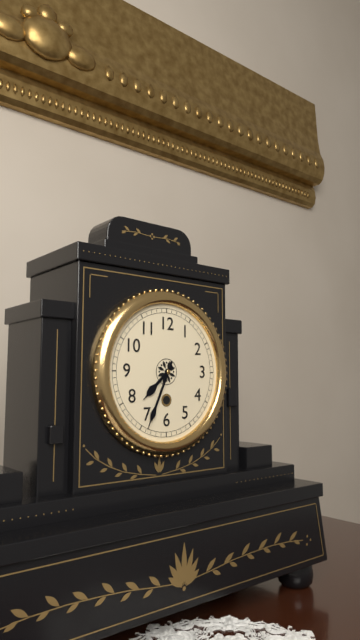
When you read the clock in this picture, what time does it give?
7:34
